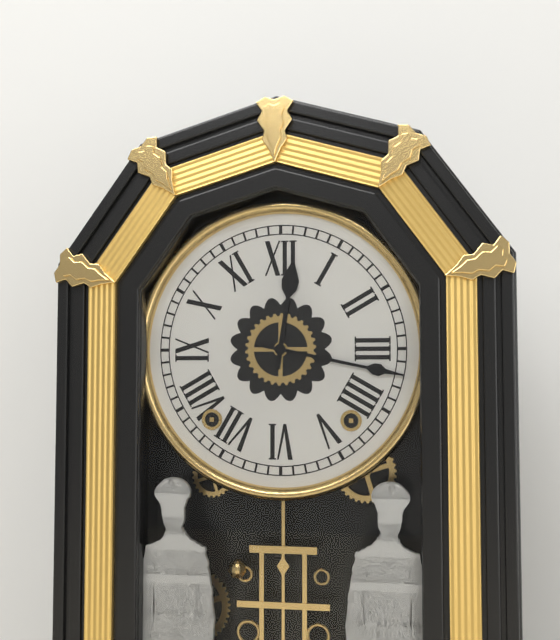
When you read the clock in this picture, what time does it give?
12:17
